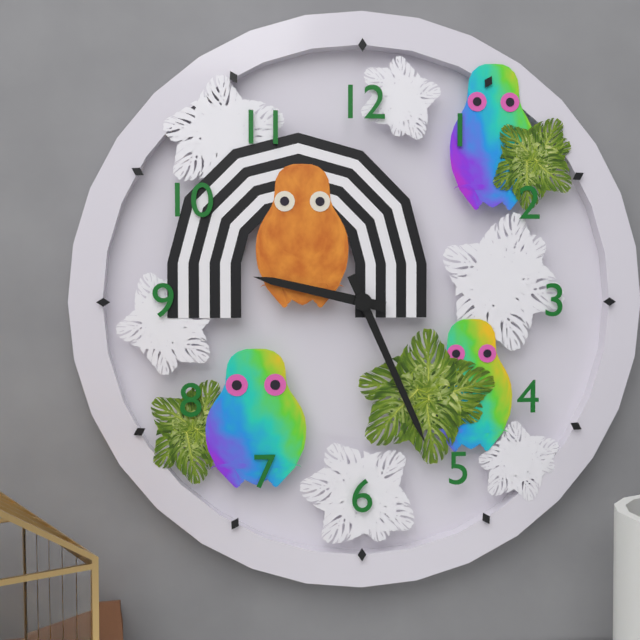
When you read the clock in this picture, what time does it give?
9:26
